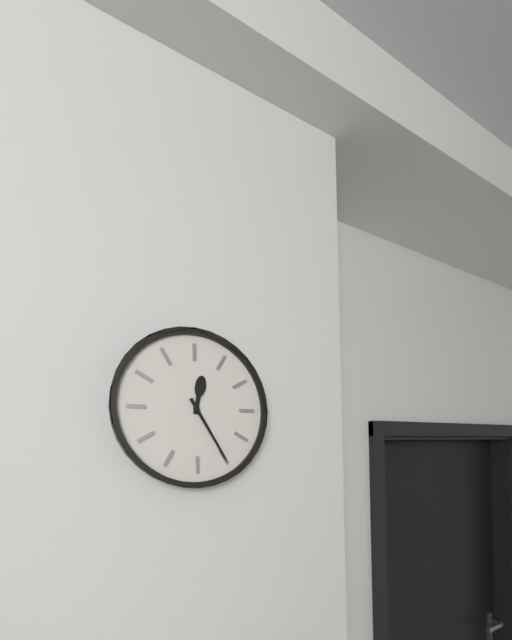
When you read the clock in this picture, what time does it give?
12:25
